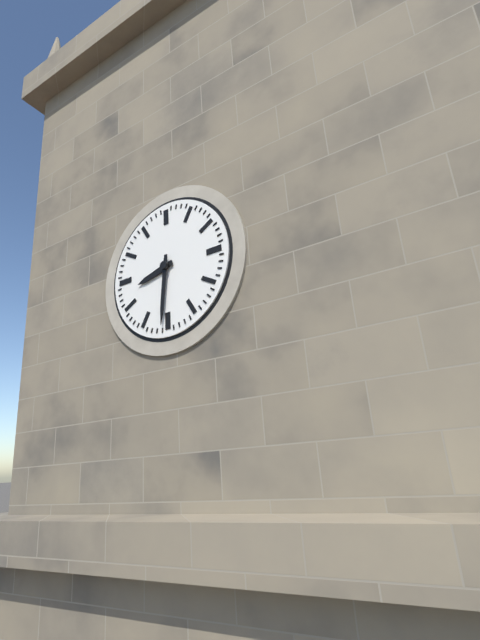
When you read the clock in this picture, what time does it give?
8:31
